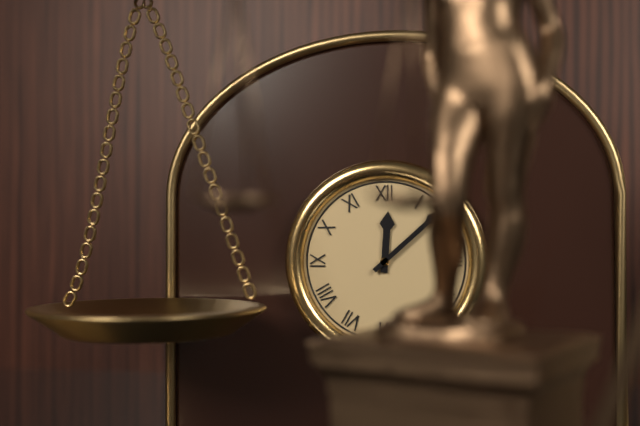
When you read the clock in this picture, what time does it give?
12:08
